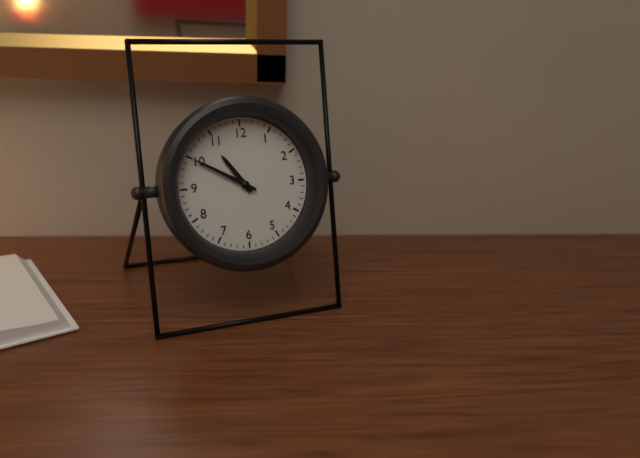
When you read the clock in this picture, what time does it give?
10:50
